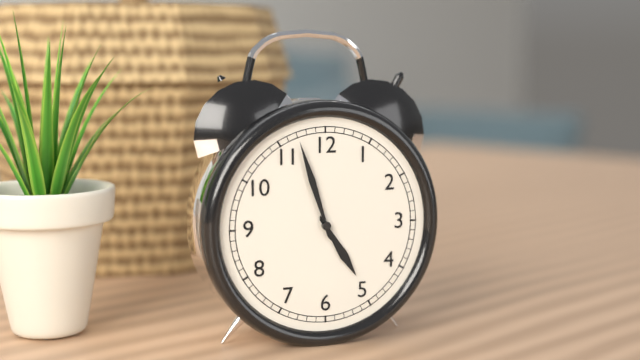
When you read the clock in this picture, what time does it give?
4:57
